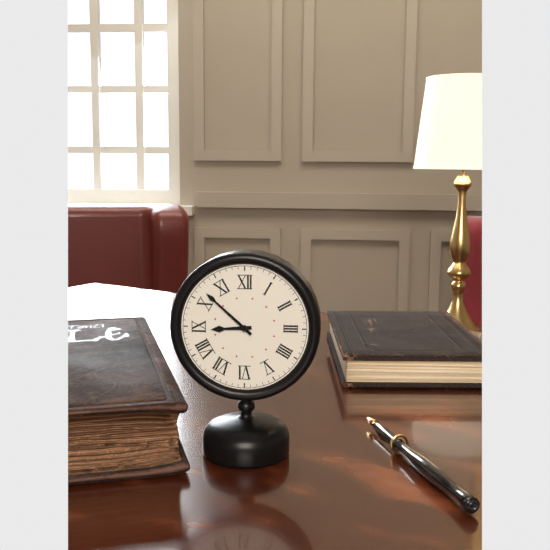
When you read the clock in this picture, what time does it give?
8:52
